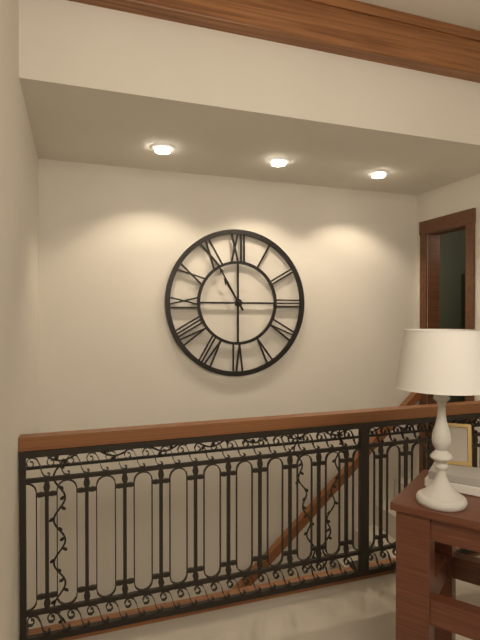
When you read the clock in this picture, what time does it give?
10:55
